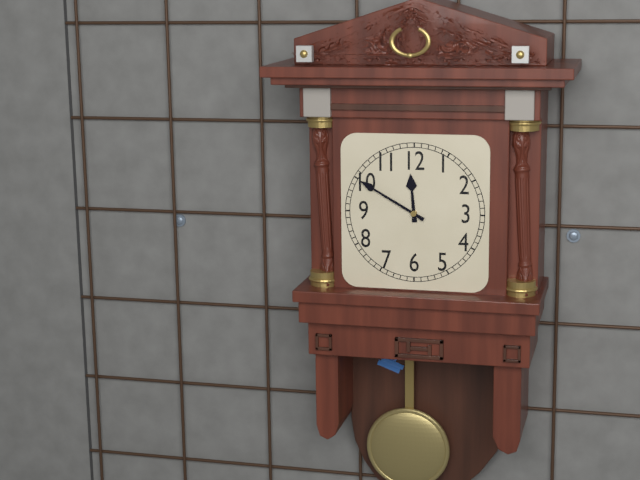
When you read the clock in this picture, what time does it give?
11:50
